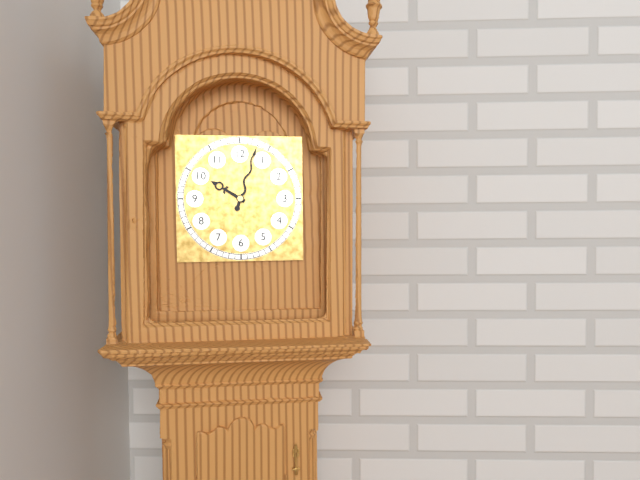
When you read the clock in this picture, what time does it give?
10:03
